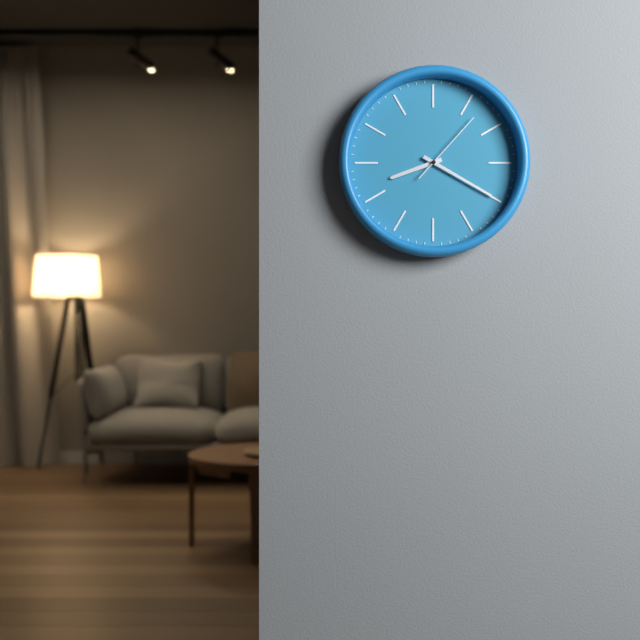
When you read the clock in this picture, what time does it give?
8:20:07
